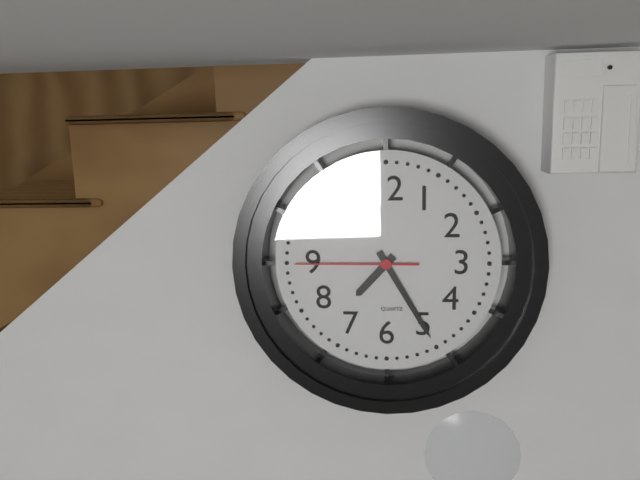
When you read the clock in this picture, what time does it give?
7:25:45
